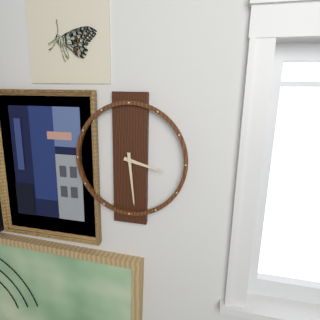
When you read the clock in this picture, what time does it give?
3:29
